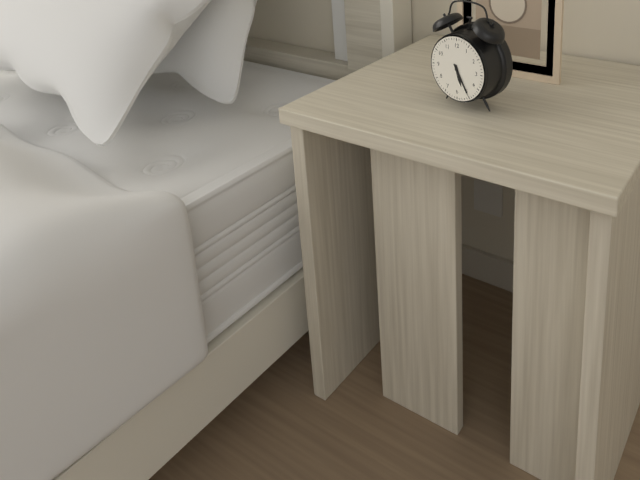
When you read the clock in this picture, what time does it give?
5:25
